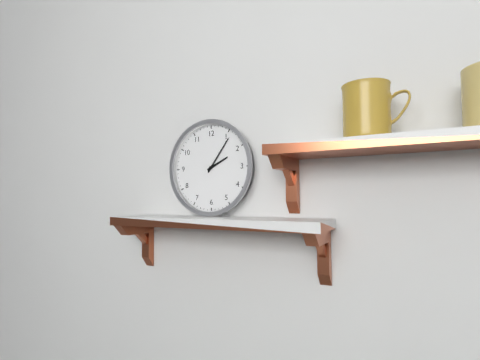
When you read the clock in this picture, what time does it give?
2:06
